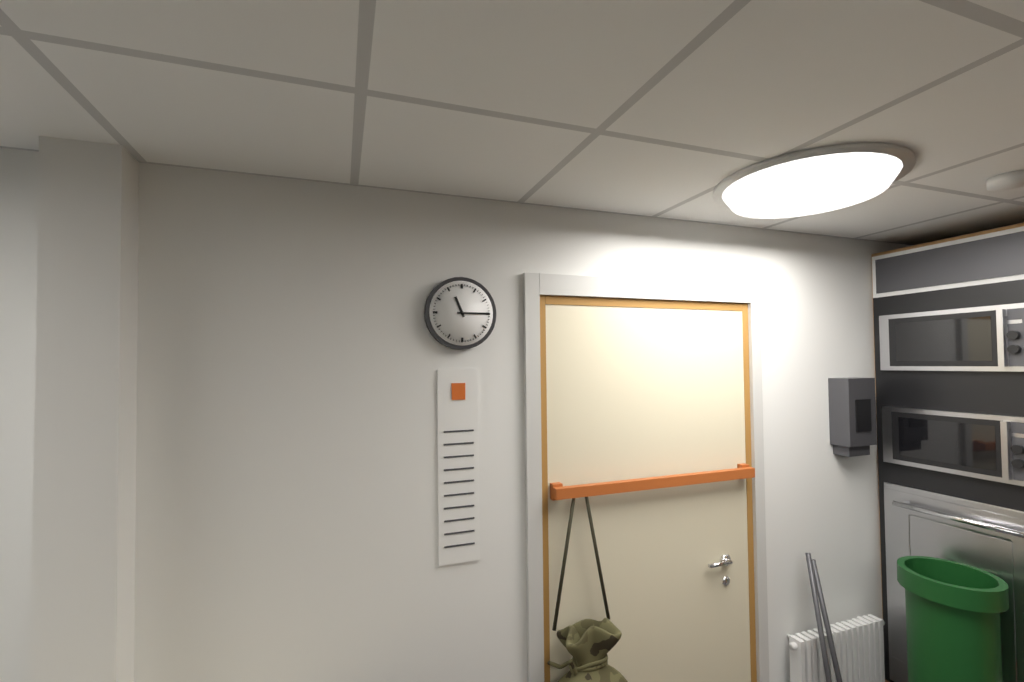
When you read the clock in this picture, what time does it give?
11:15
